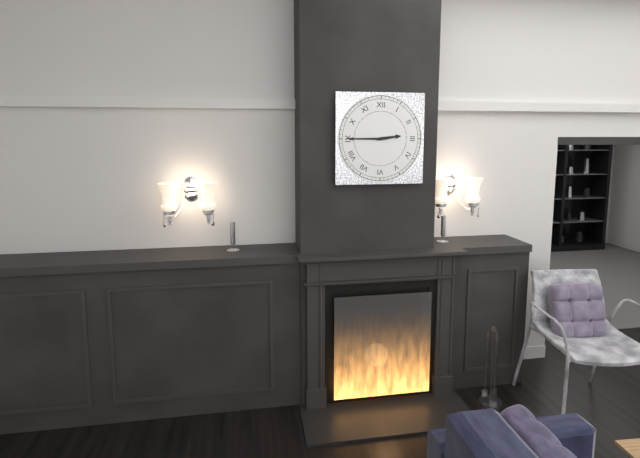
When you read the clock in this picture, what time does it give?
2:45
